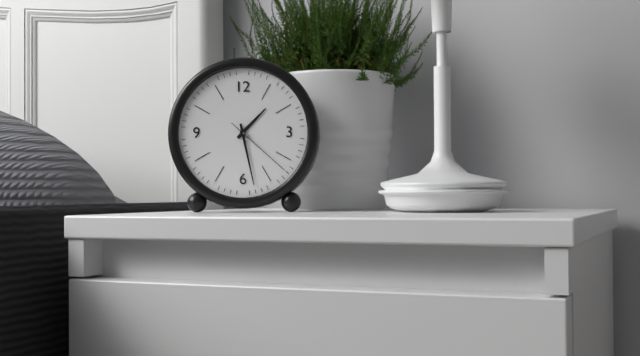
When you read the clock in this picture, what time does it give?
1:28:22
